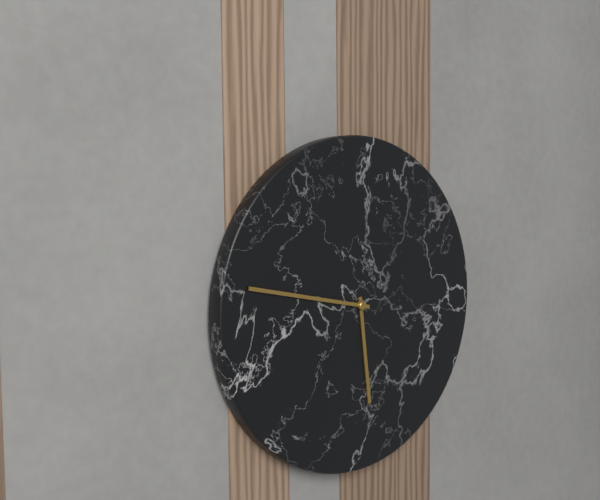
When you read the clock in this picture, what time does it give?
5:47
